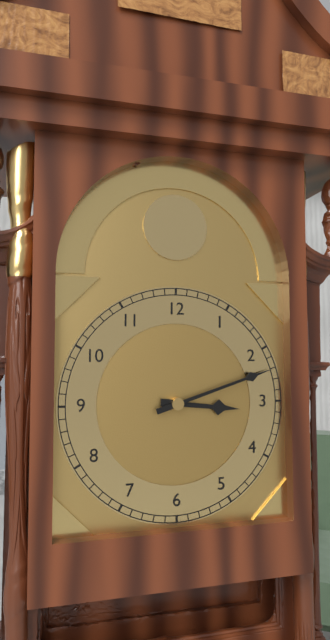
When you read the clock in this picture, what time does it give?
3:12
